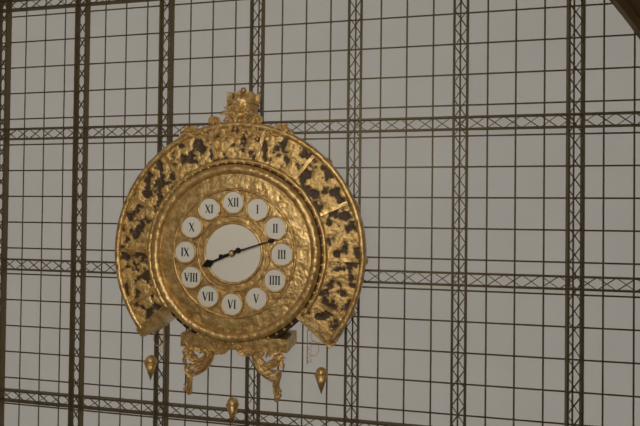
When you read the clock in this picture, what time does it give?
8:12
